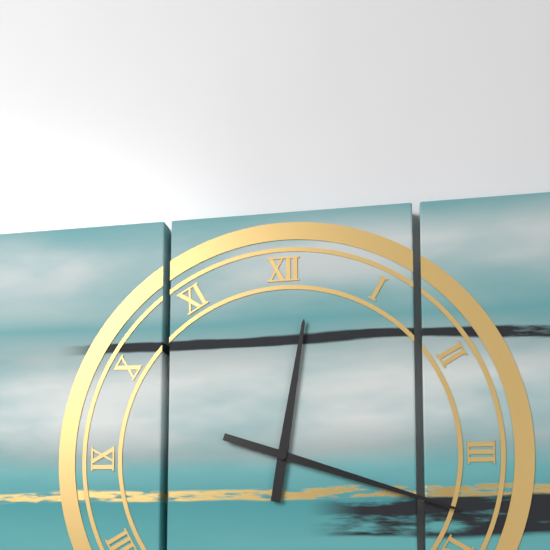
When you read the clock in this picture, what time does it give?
12:18
